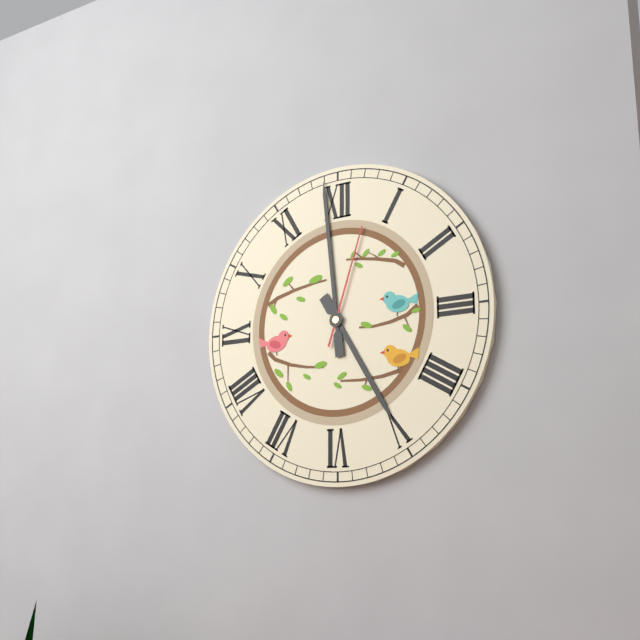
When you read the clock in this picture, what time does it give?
4:59:03
